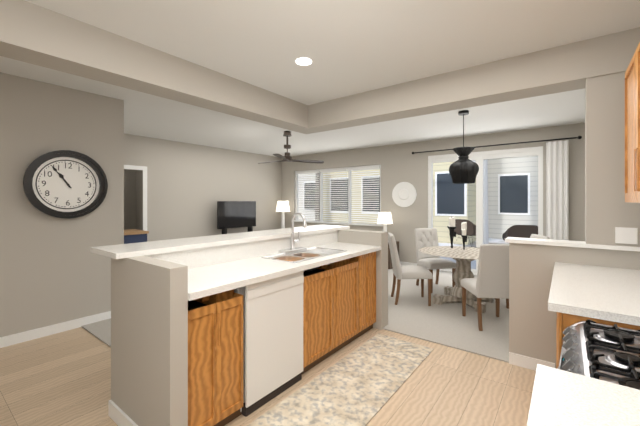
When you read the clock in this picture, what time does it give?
10:54
